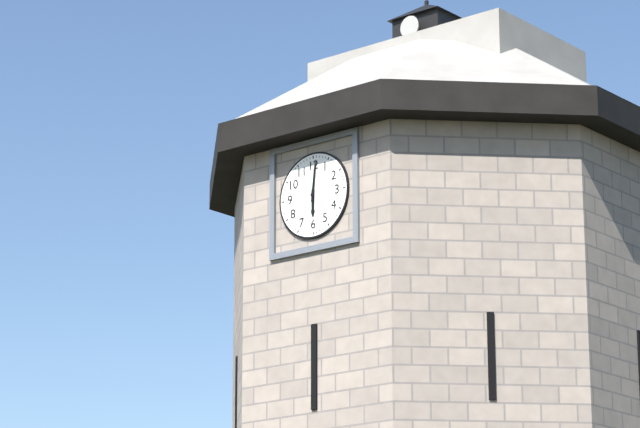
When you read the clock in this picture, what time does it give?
6:01
